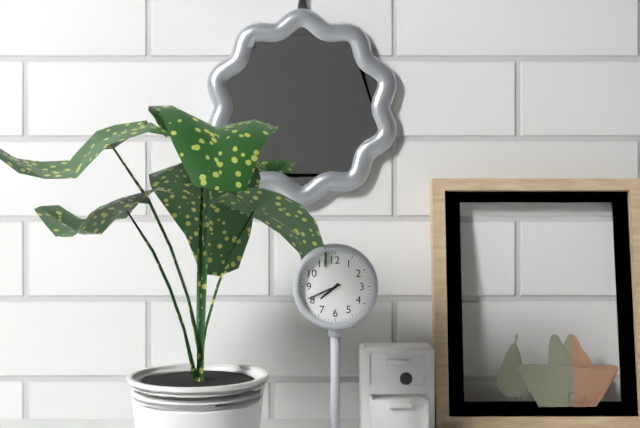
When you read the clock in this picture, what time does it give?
7:41
